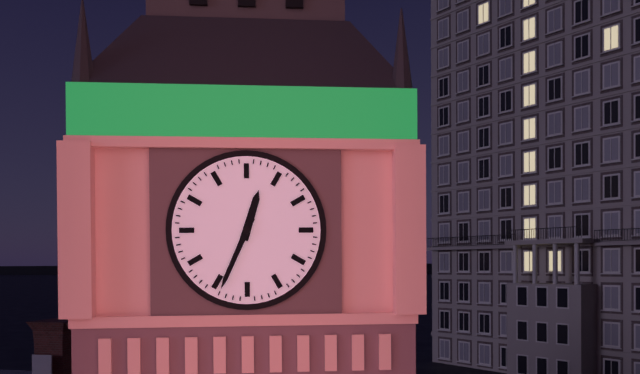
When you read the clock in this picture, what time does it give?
12:34
